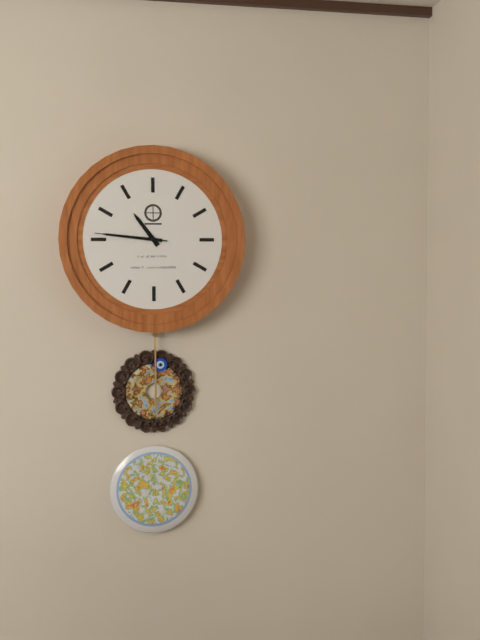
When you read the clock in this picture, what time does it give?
10:46:46
